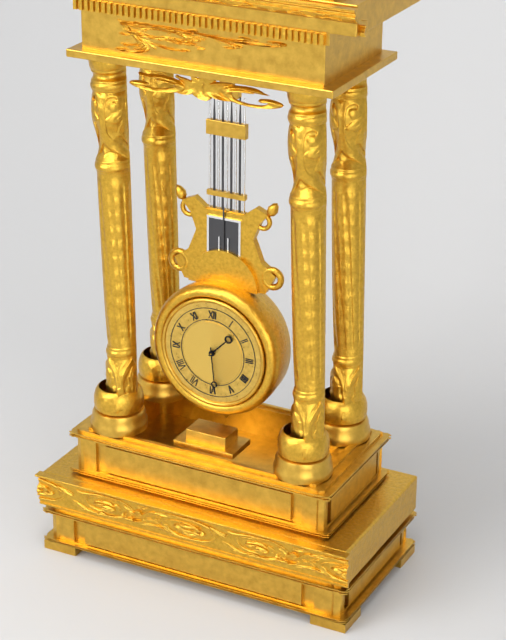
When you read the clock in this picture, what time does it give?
1:29
